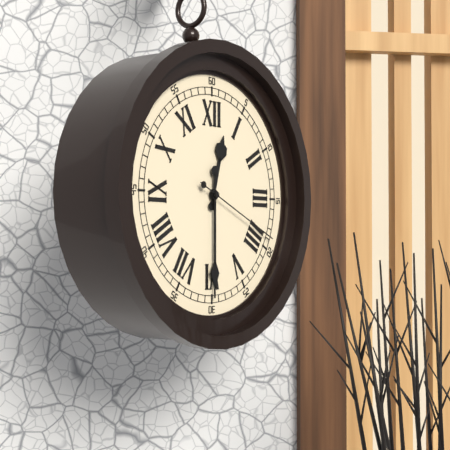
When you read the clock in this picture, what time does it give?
12:30:19
